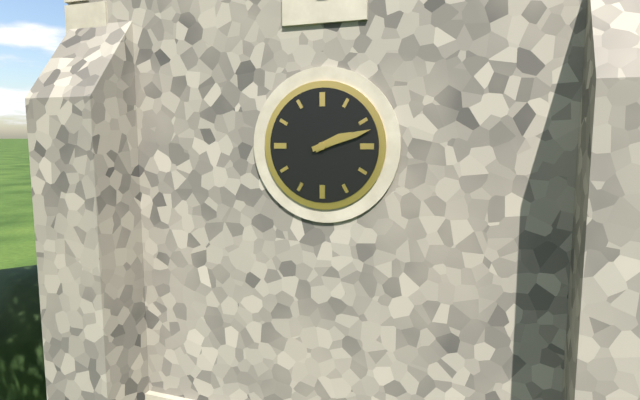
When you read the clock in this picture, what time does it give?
2:12
